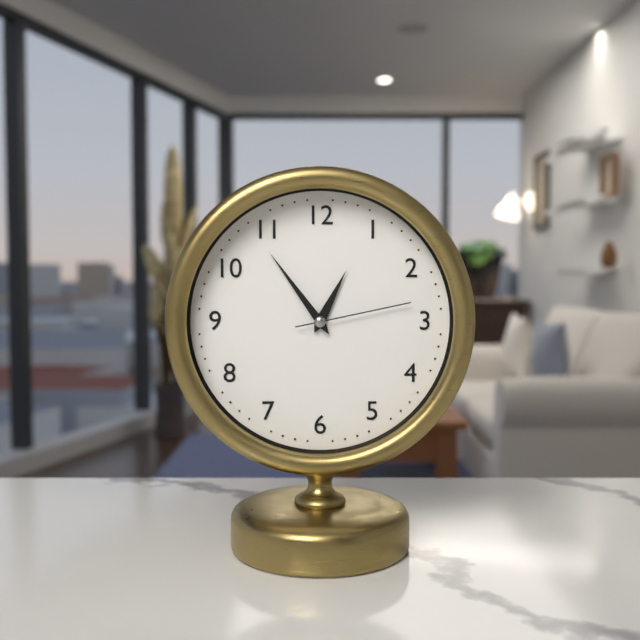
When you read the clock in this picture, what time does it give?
12:54:13
